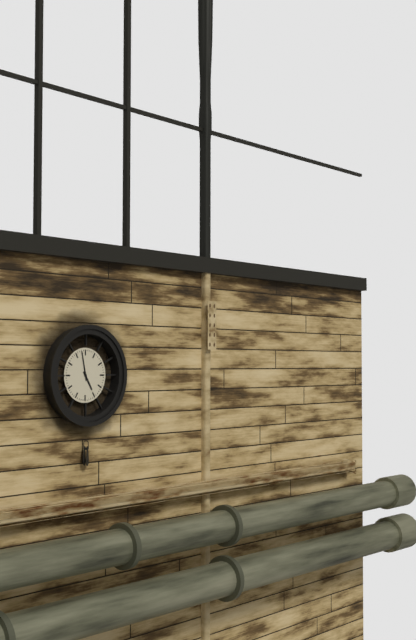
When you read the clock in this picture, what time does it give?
4:58
